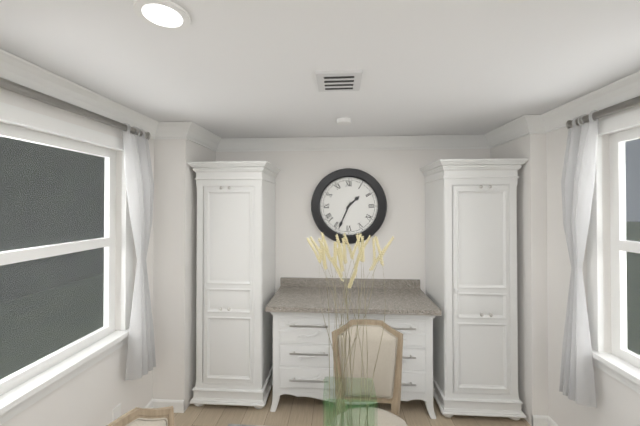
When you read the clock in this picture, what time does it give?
1:34
